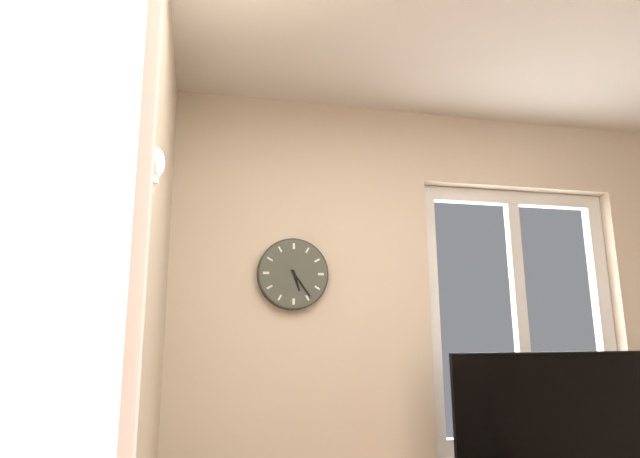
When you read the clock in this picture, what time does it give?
5:24
